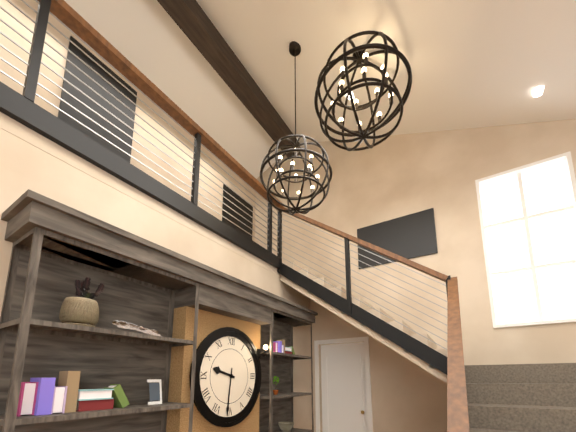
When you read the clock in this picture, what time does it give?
9:31
